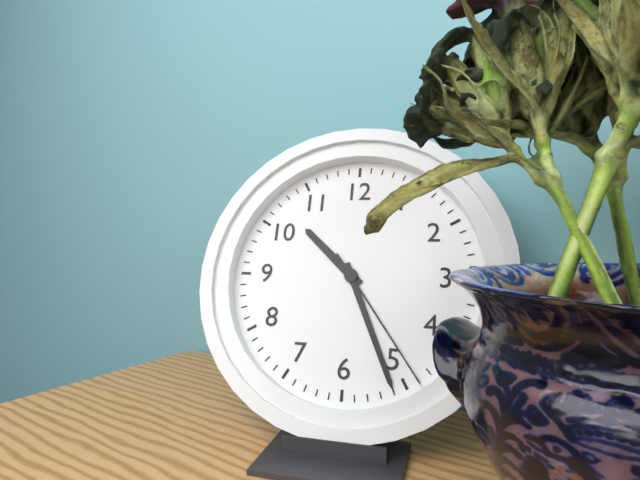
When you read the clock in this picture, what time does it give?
10:26:24
